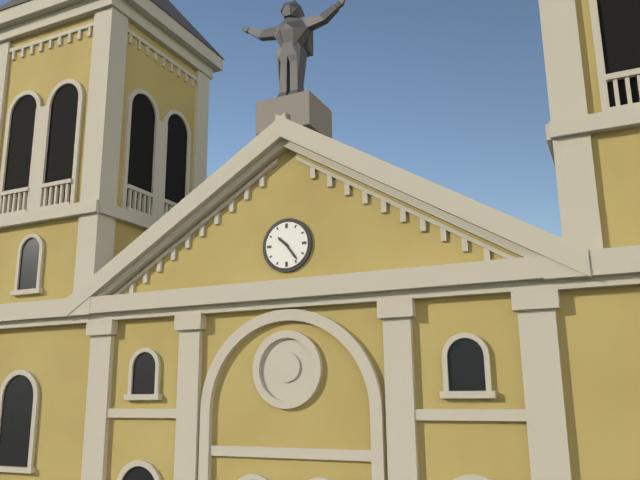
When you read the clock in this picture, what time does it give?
10:24
